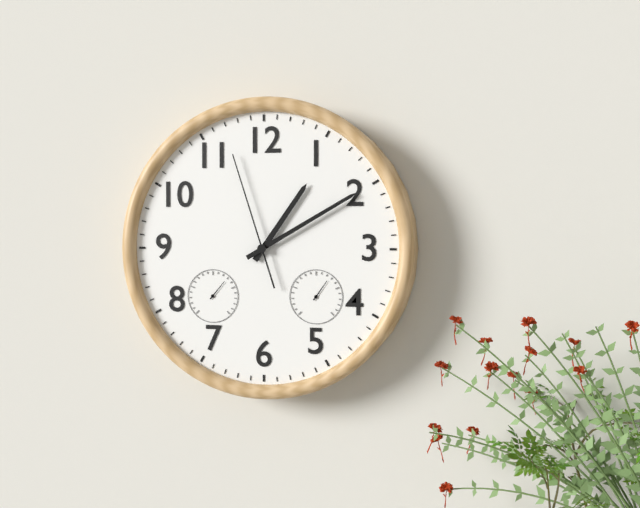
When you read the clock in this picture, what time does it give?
1:10:57
